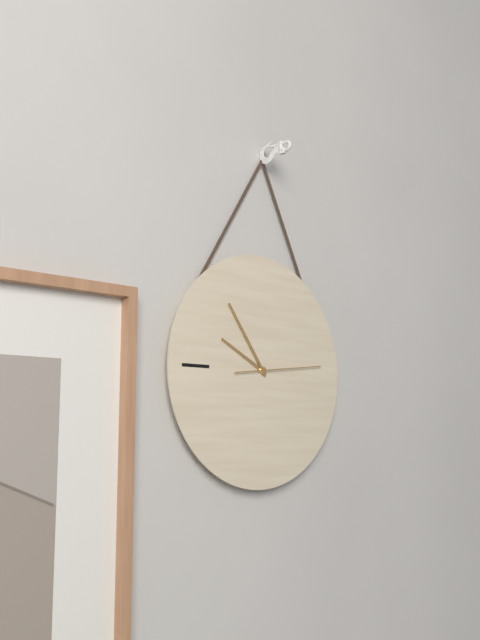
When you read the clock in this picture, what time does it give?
9:54:14
